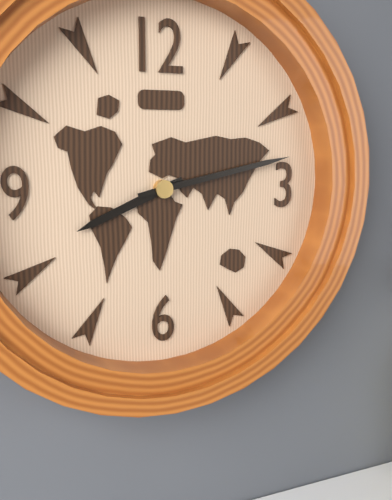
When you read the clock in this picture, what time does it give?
8:13
